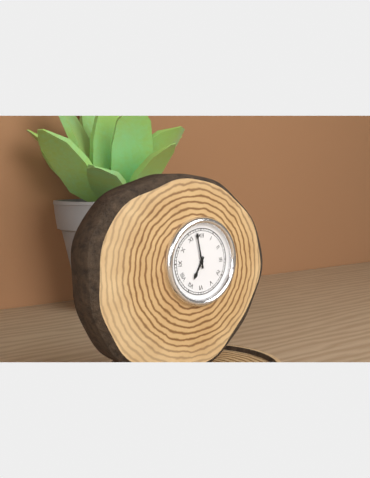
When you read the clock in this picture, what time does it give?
6:58
